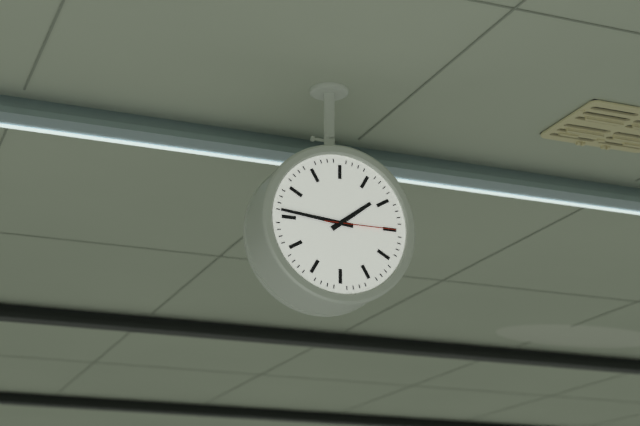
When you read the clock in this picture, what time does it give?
1:46:15
